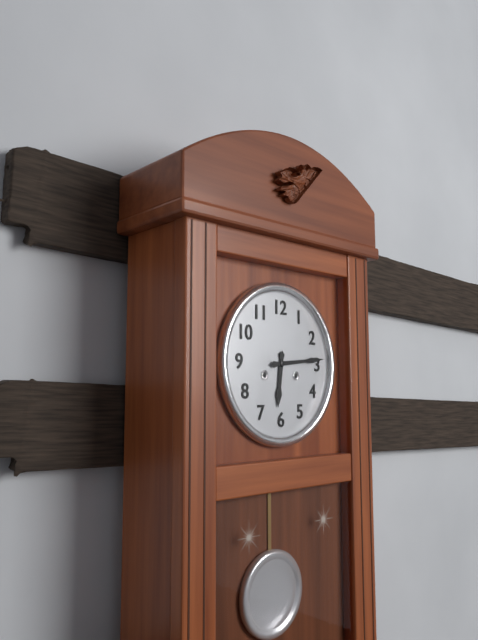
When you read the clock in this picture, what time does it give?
6:14
